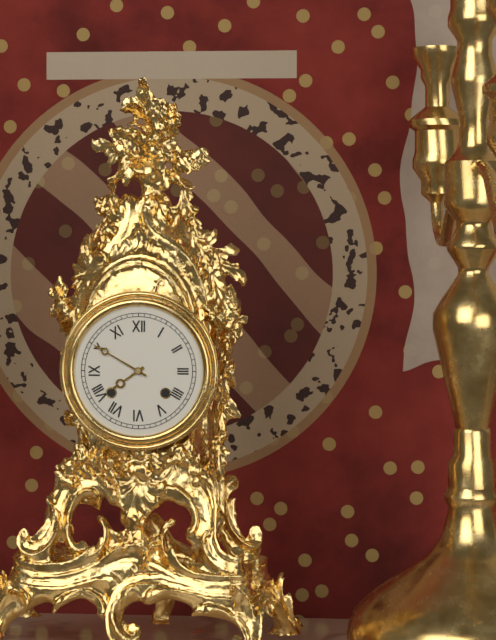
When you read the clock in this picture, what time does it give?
7:50
